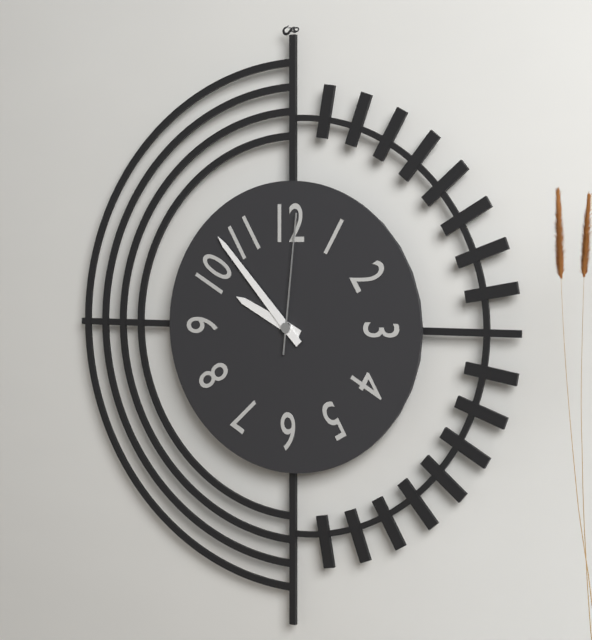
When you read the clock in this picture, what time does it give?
9:53:01
